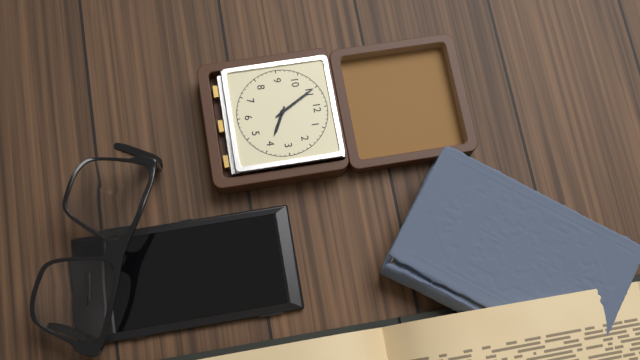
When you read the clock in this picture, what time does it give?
3:55
